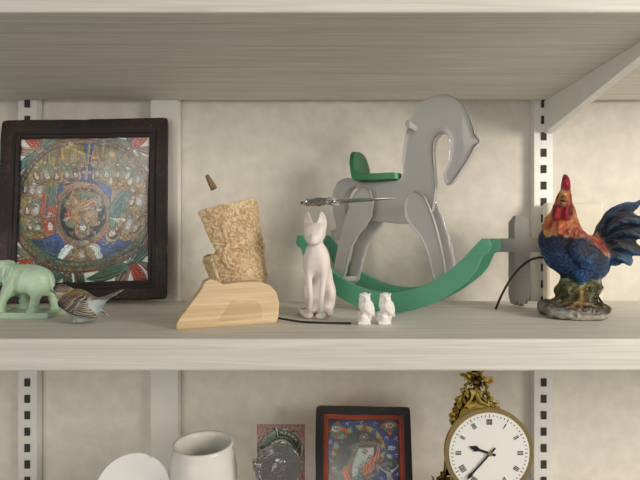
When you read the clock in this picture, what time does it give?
9:37
